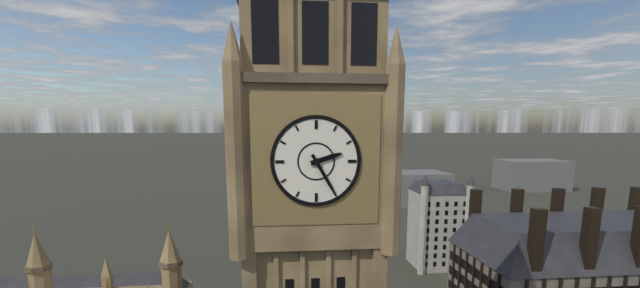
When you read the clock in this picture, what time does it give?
2:25
